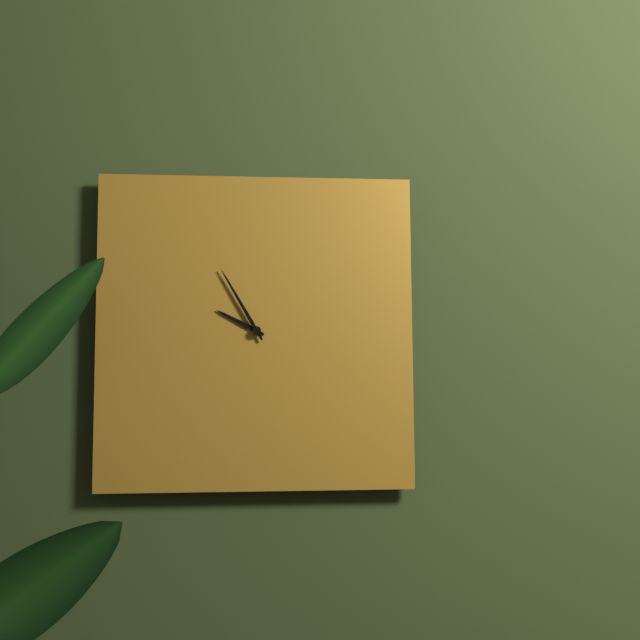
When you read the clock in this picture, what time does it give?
9:55
